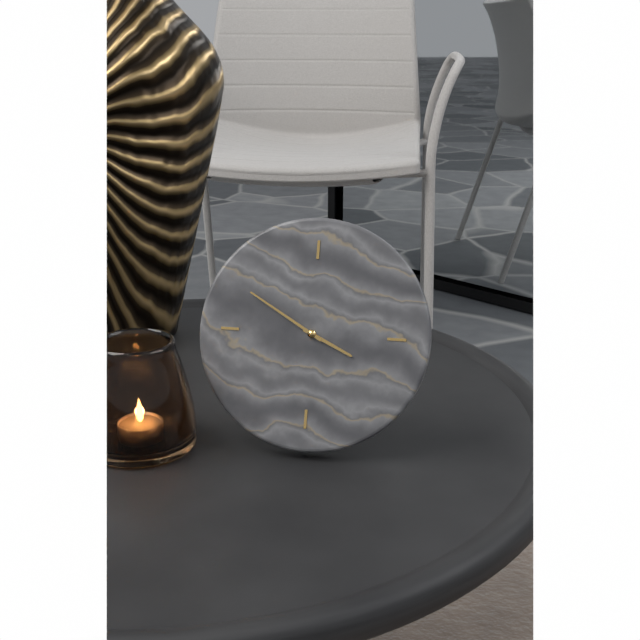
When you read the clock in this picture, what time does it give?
3:50
